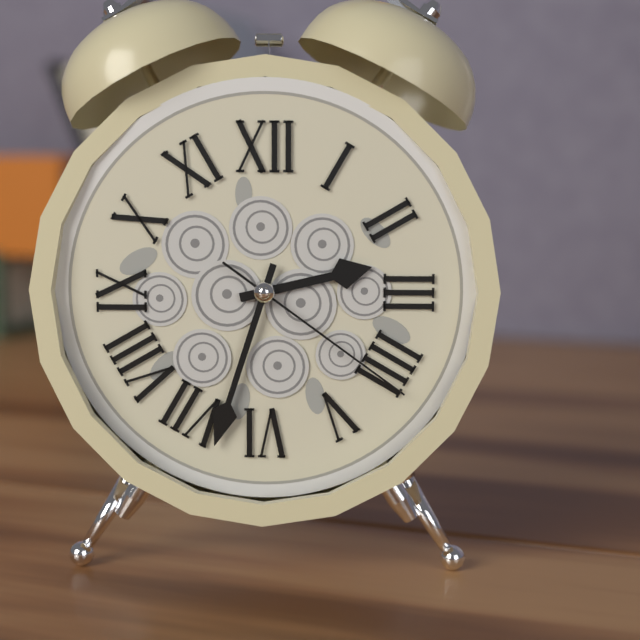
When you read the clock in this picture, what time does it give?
2:33:21
